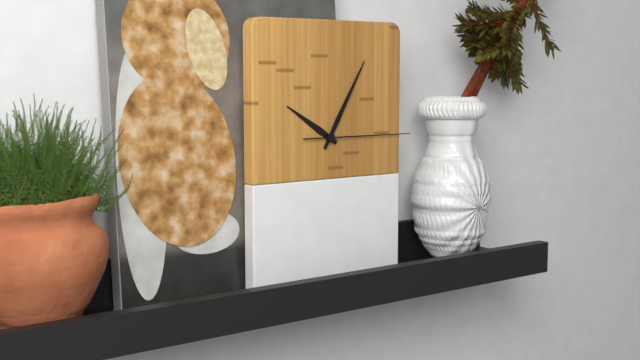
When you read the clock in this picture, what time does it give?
10:05:15
